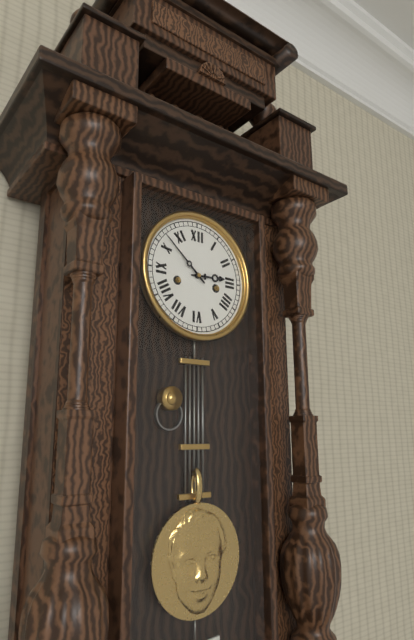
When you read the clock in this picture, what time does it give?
2:52
